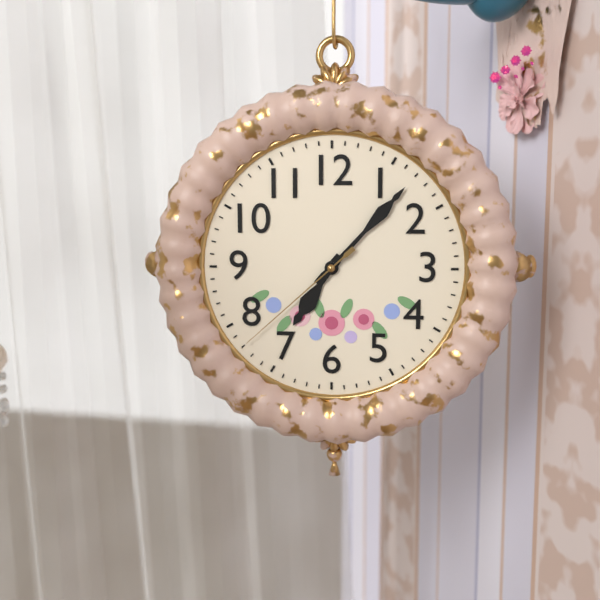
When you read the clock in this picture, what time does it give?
7:07:38
